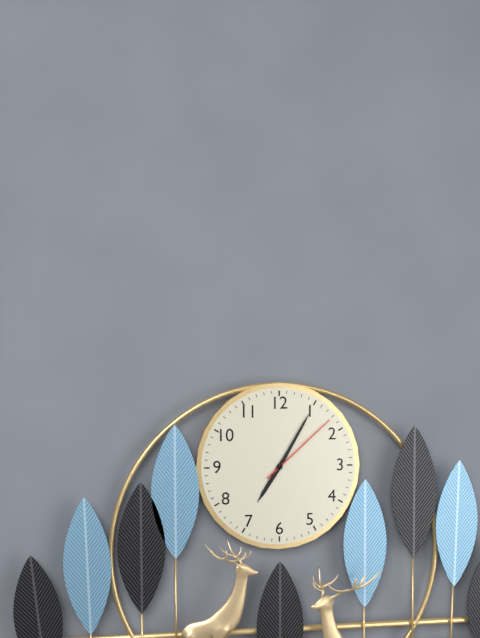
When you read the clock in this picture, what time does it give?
7:05:08
